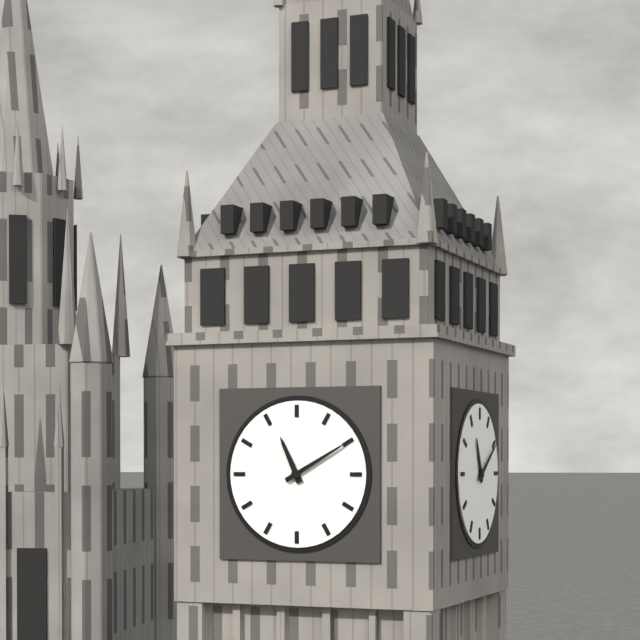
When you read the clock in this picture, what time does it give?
11:10
